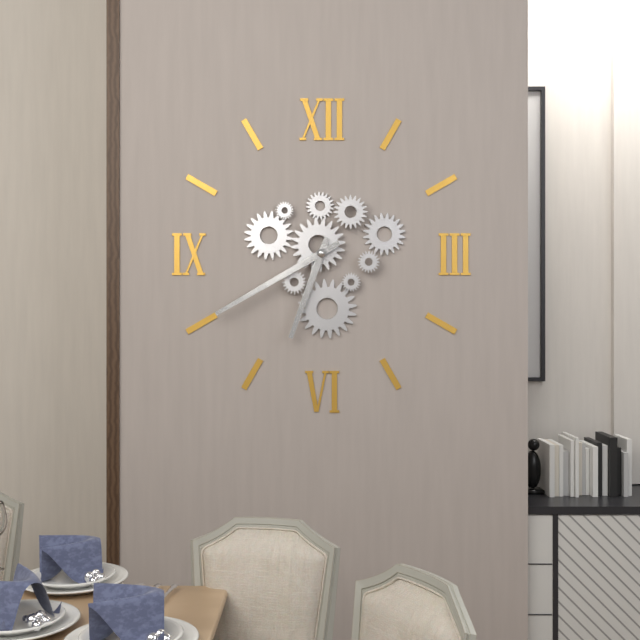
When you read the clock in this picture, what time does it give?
6:40
